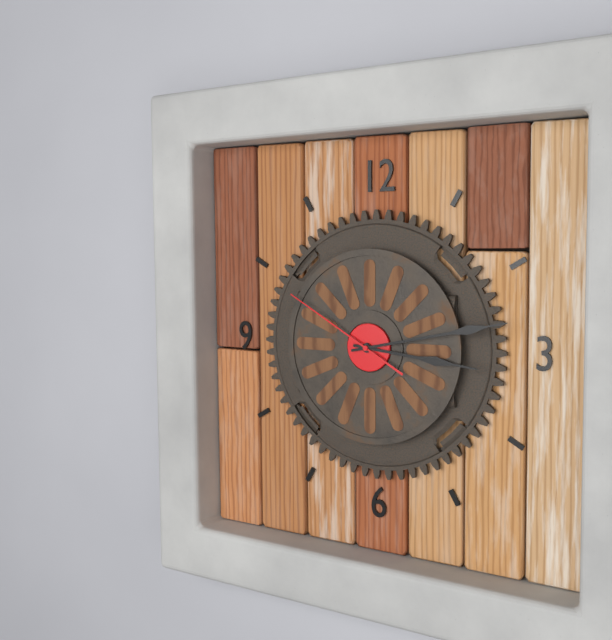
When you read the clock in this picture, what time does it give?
3:13:50
